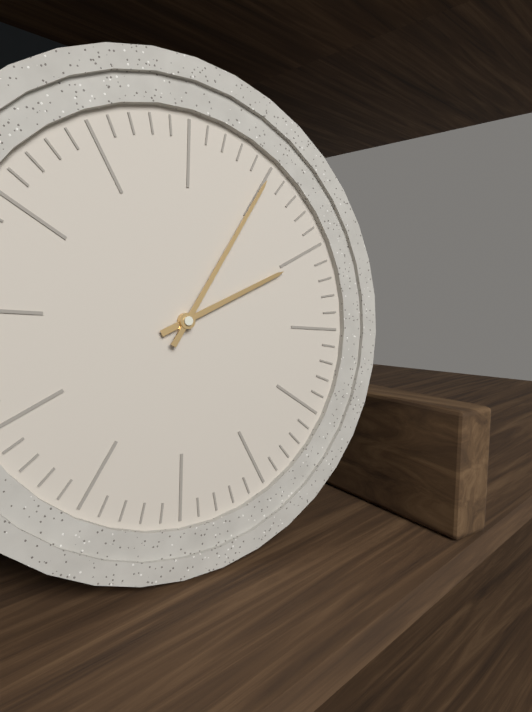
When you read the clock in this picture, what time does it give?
2:05
